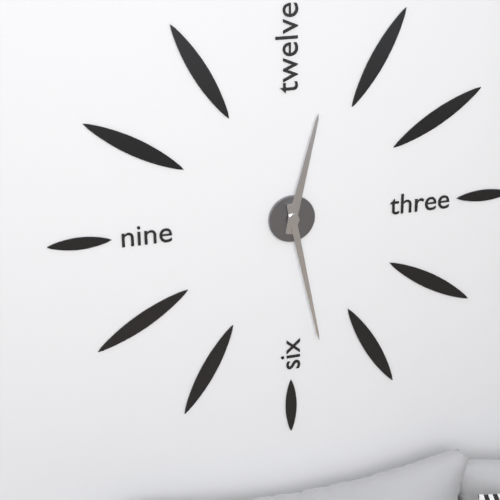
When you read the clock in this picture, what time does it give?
12:28
